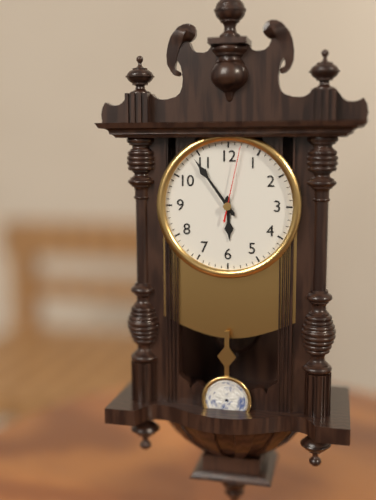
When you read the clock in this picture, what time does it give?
5:54:02
